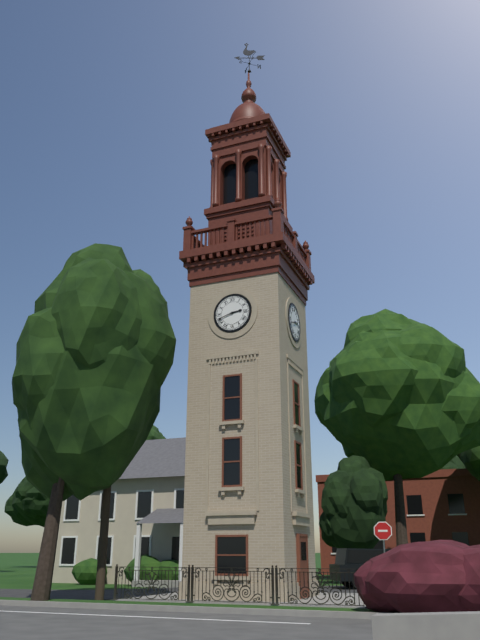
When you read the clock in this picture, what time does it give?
2:42
